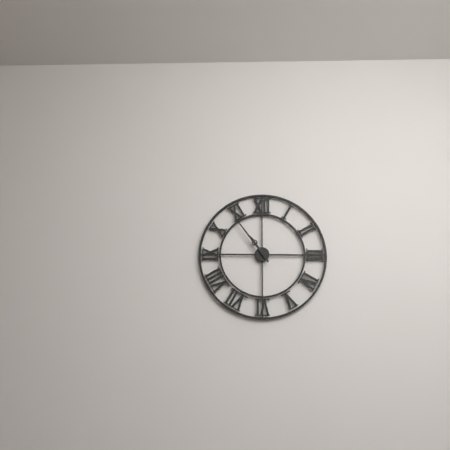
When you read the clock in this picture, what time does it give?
10:54
